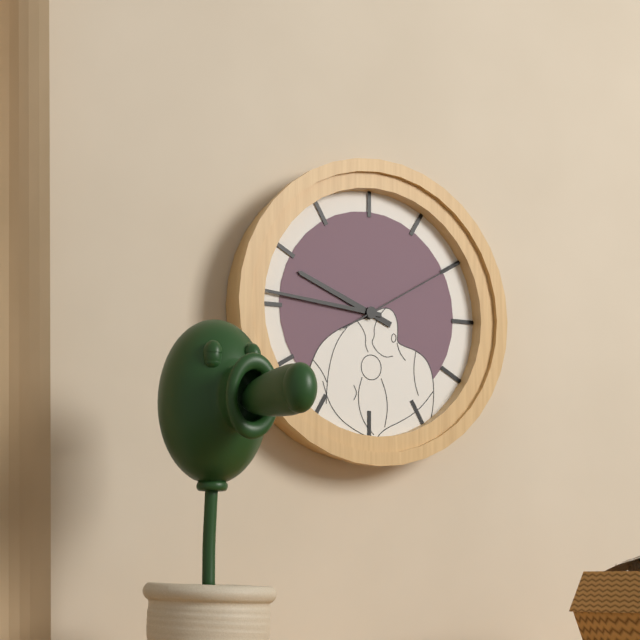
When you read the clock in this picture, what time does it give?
9:46:10
